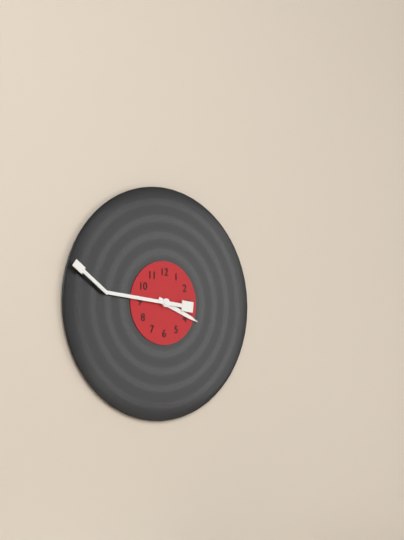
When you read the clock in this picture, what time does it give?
3:46
